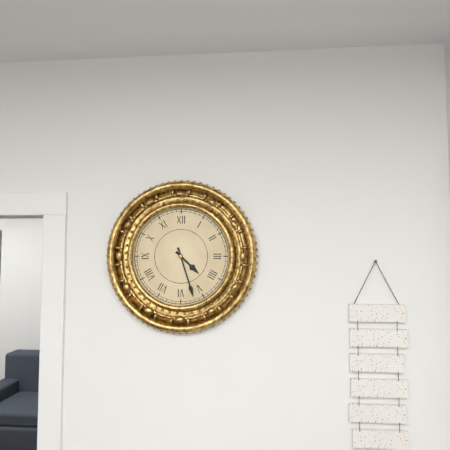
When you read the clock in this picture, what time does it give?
4:27
